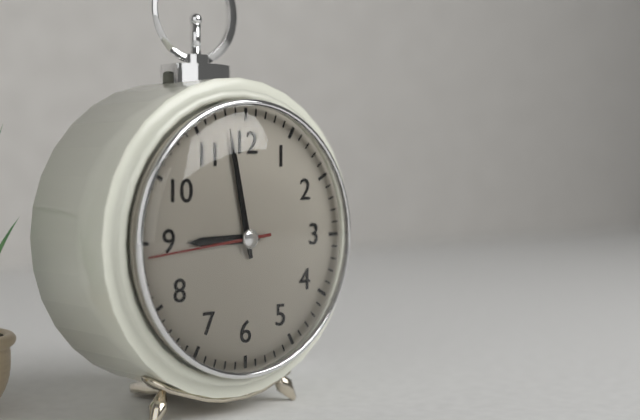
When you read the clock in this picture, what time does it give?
8:58:44
